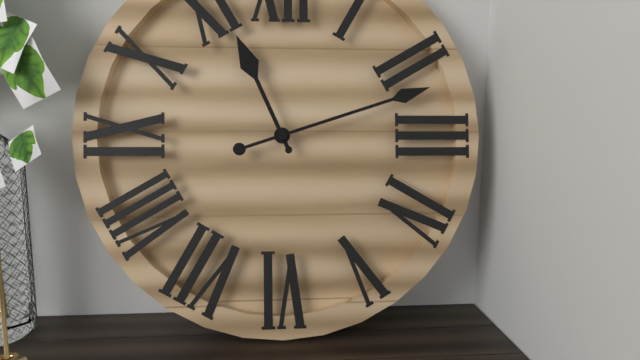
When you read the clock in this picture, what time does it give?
11:12
